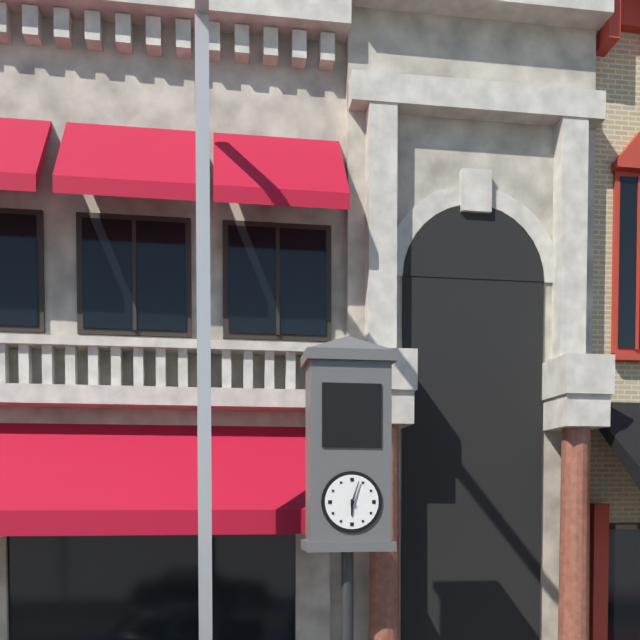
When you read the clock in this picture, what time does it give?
6:03
